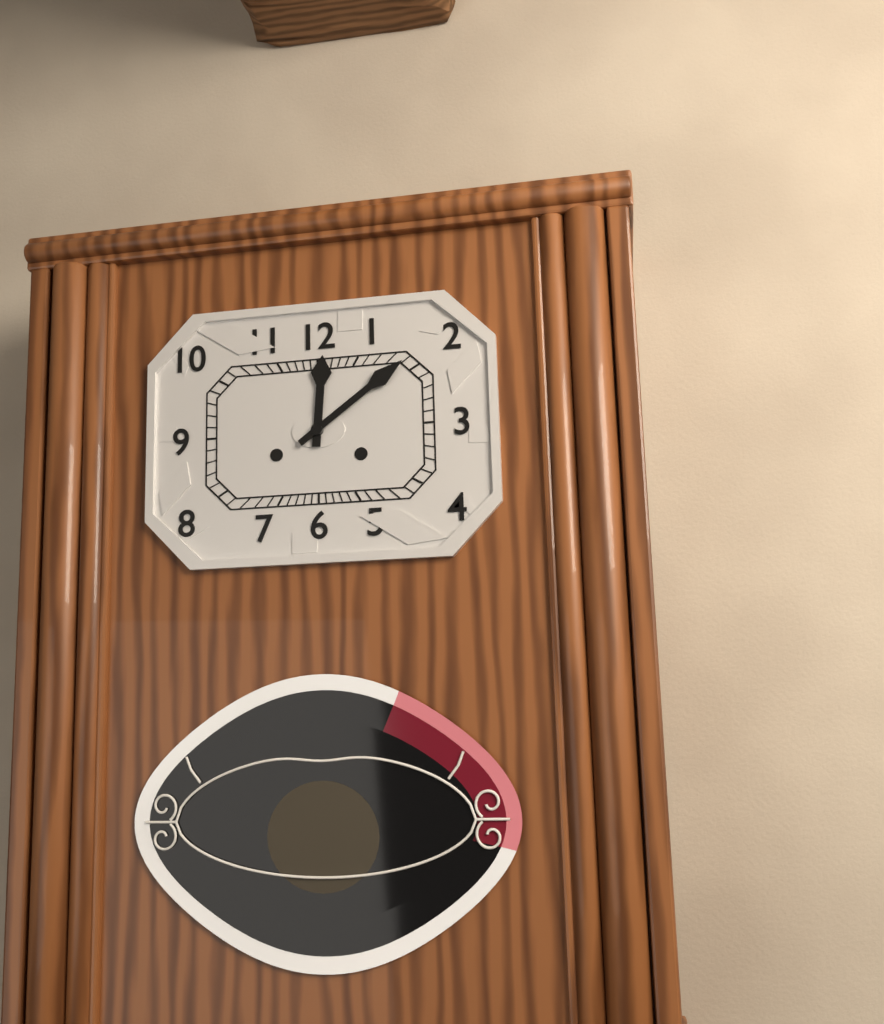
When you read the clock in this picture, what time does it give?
12:09
